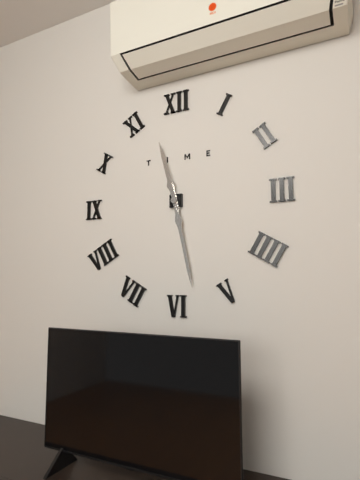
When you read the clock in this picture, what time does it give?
11:28
